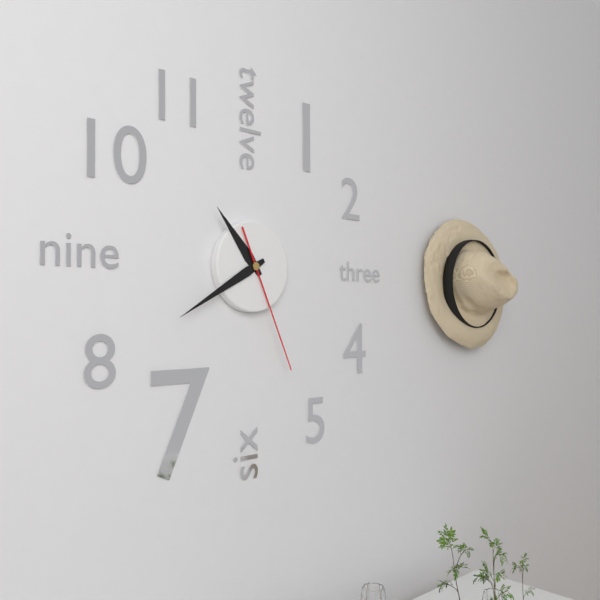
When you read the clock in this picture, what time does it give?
10:40:26
